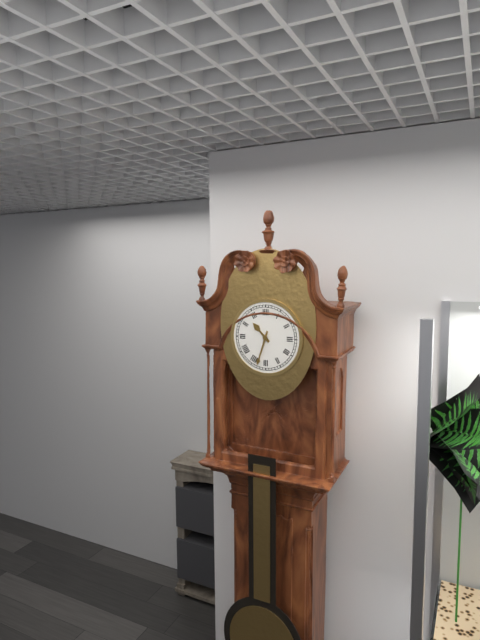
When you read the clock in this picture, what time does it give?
10:33
